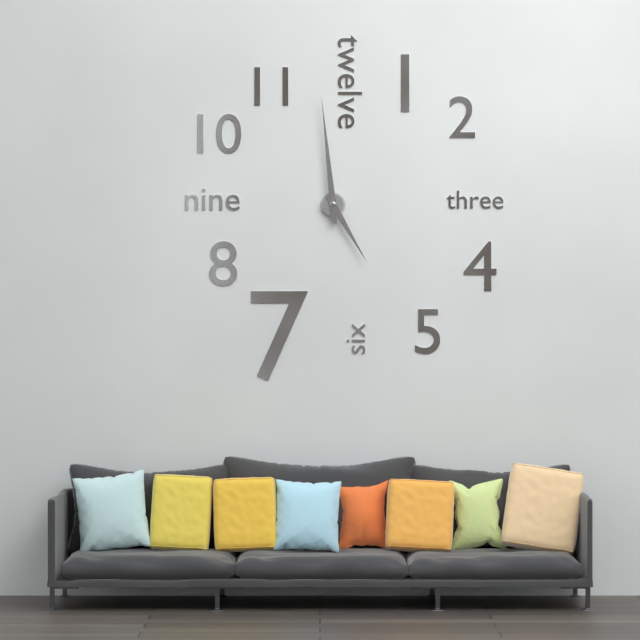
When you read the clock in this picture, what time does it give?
4:59
